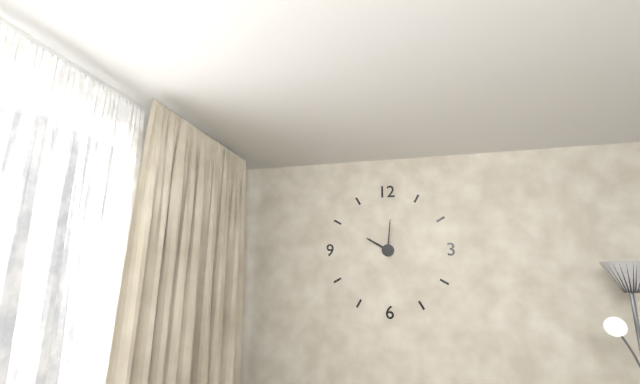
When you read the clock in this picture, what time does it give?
10:01
